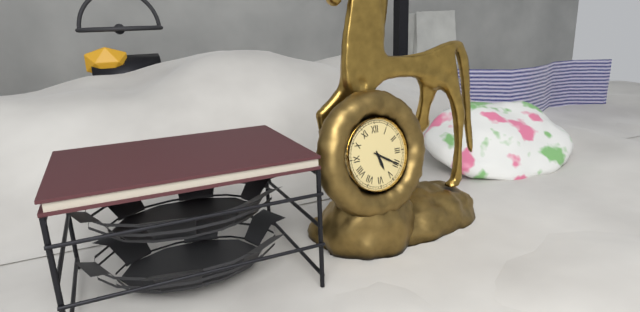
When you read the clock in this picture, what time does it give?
5:20
